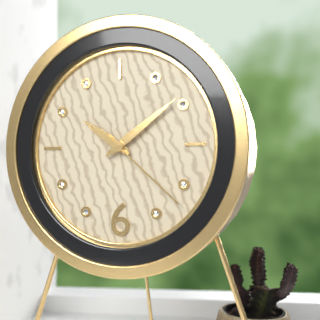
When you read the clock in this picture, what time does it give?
10:09:22
